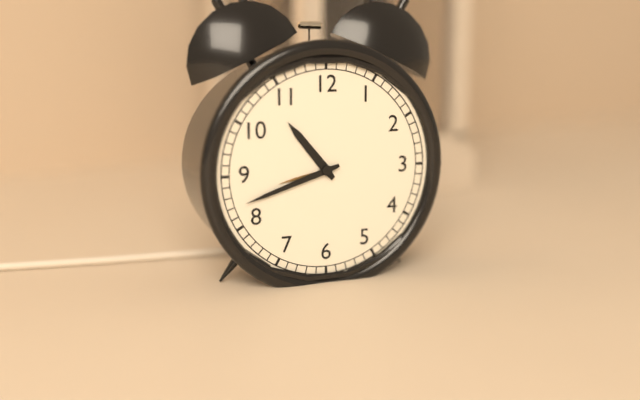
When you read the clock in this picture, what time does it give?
10:42
